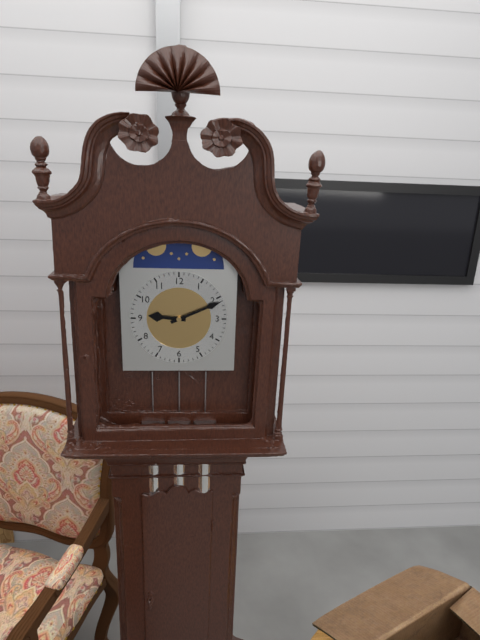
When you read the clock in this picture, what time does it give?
9:11
